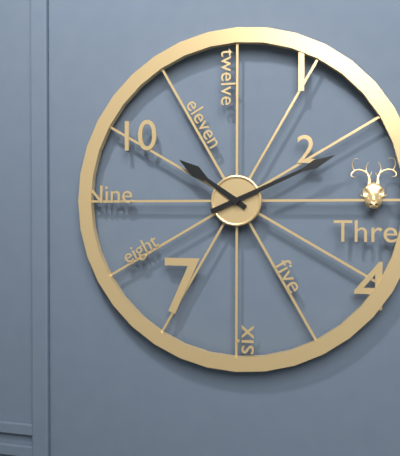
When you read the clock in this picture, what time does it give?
10:11
